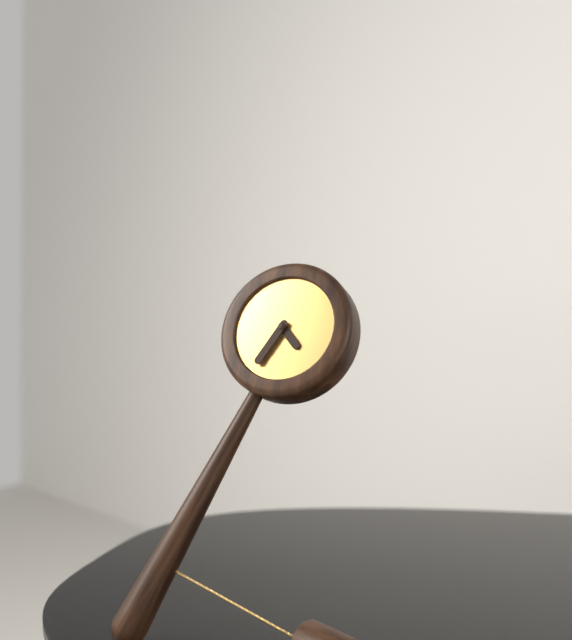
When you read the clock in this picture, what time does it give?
4:35
